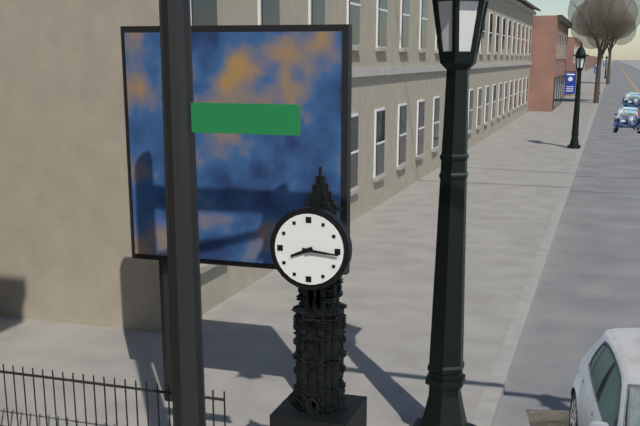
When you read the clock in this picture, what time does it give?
8:16
